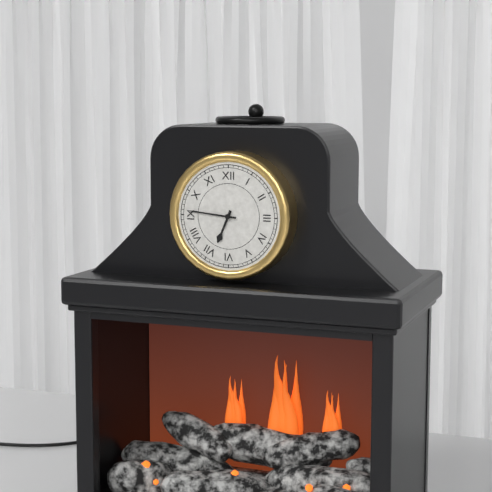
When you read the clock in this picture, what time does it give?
6:46
